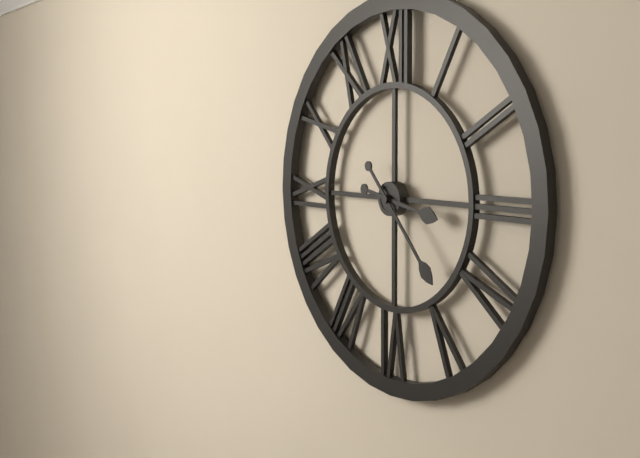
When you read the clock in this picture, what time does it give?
3:23
